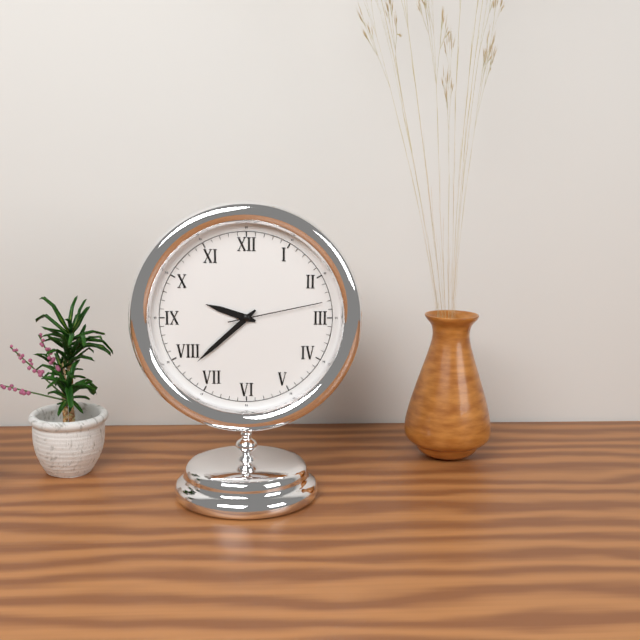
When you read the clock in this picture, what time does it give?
9:38:13
